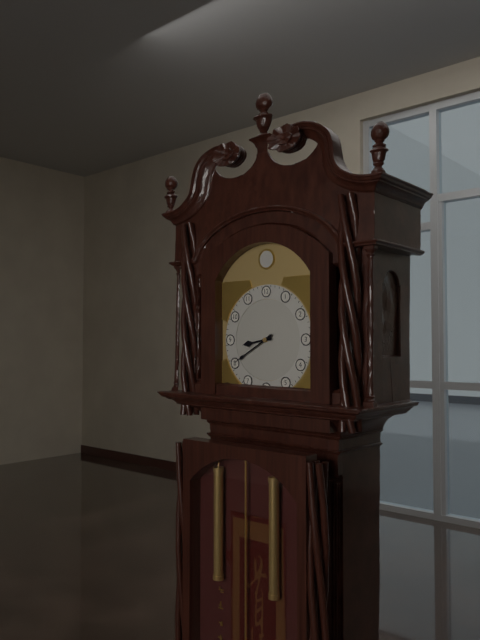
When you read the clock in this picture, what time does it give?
8:40
